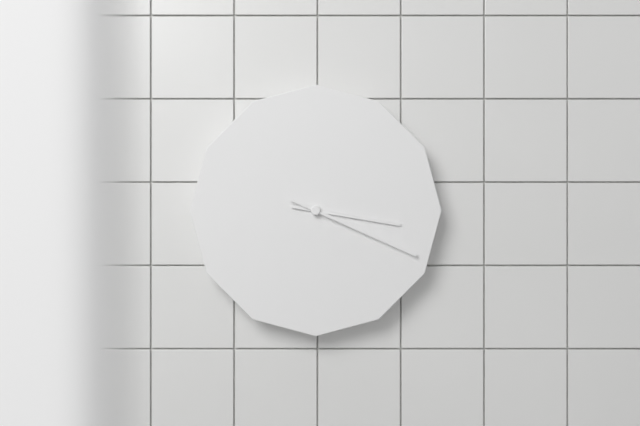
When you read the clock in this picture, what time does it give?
3:19
